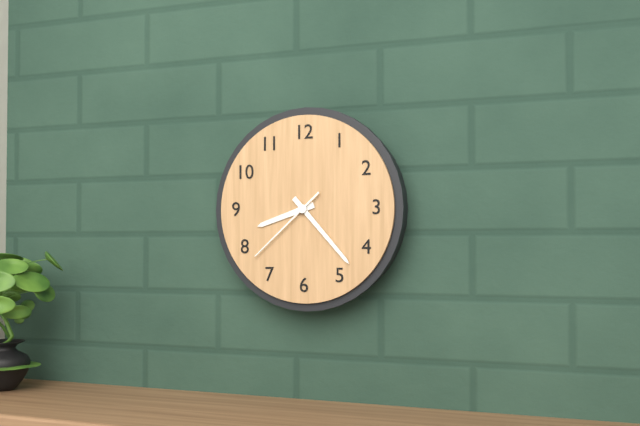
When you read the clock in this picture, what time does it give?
8:23:38
